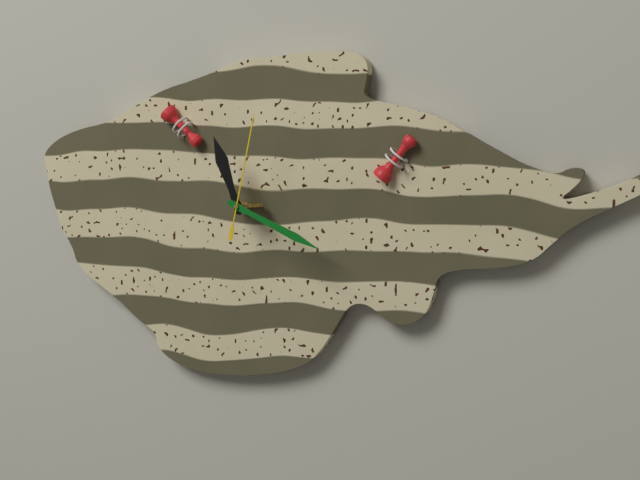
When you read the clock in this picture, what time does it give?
11:19:02
